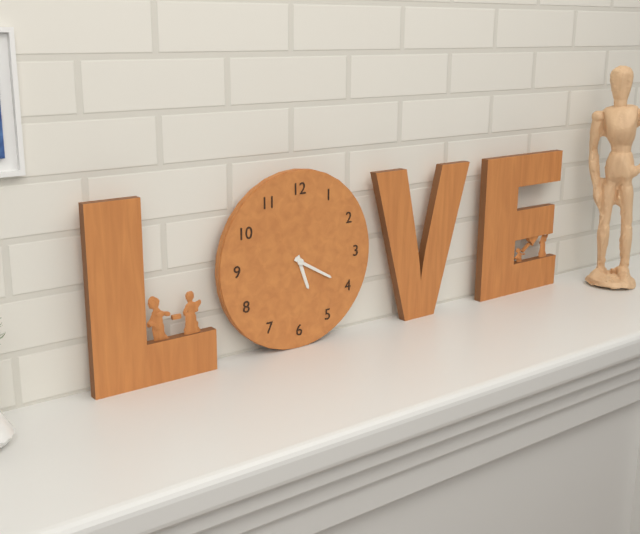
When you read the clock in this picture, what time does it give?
5:20
